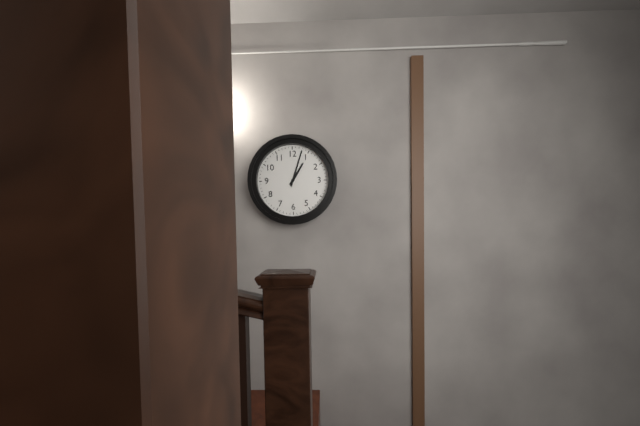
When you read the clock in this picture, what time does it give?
1:03
